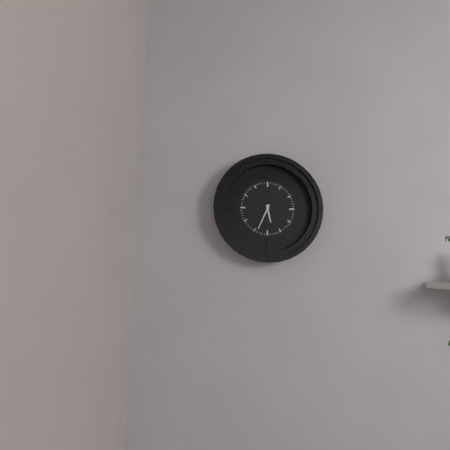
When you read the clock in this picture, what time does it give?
5:34
